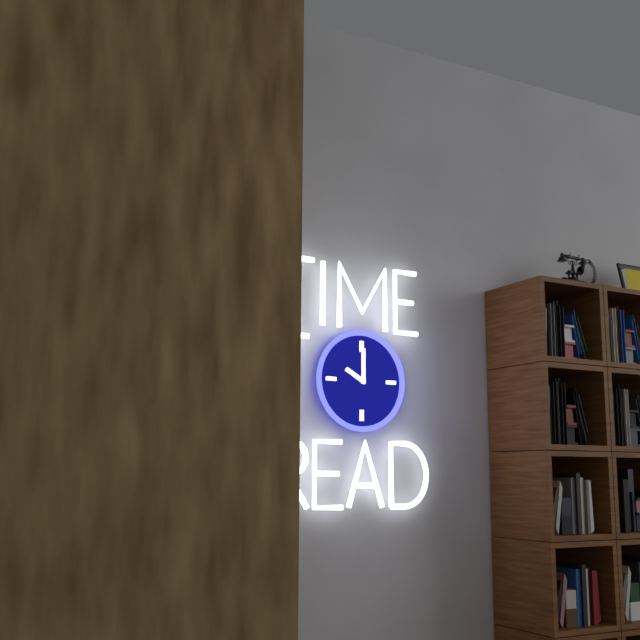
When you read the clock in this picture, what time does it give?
10:00
